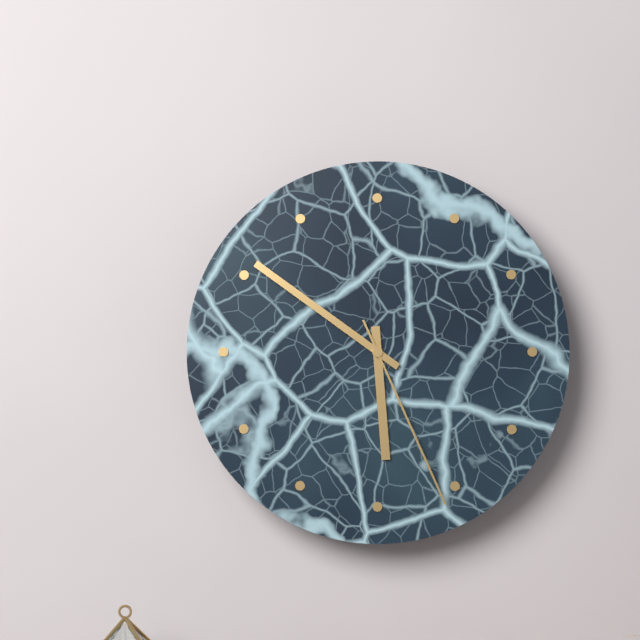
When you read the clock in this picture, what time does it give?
5:51:26
